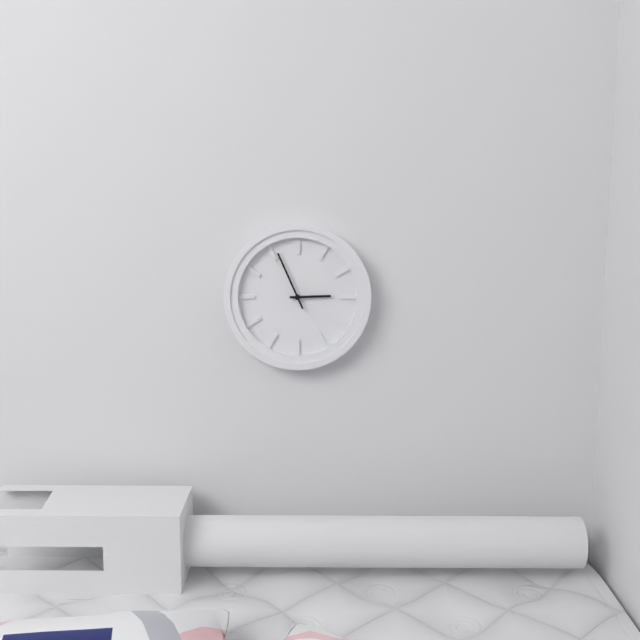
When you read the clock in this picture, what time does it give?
2:56
